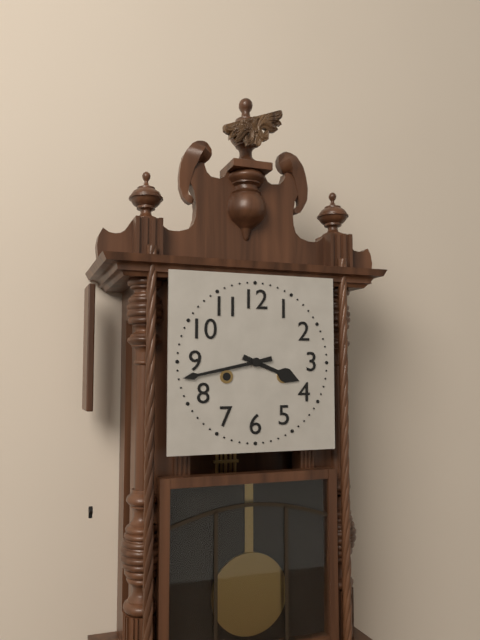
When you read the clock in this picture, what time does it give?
3:43
